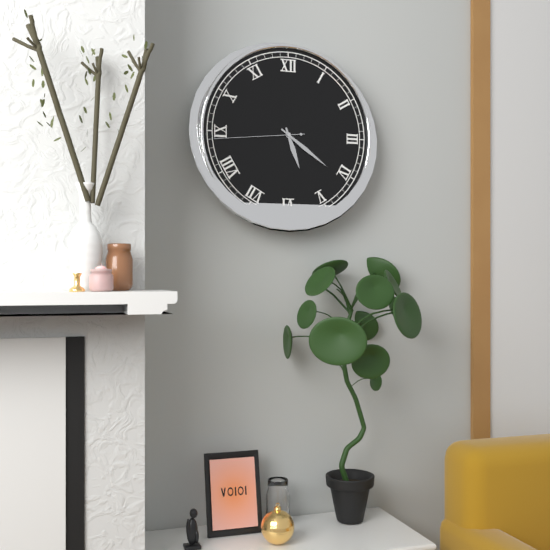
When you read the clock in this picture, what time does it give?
5:21:44
